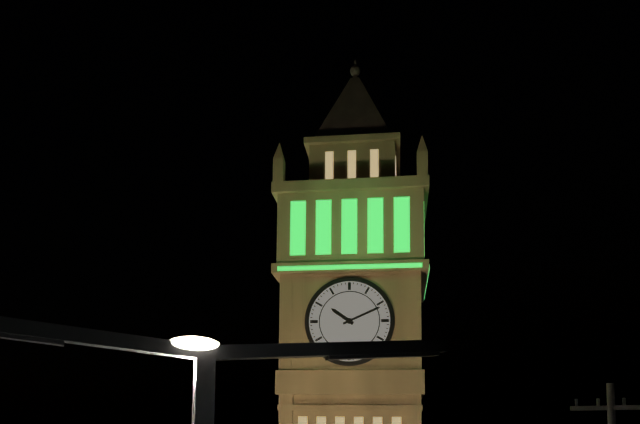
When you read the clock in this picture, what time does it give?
10:11
